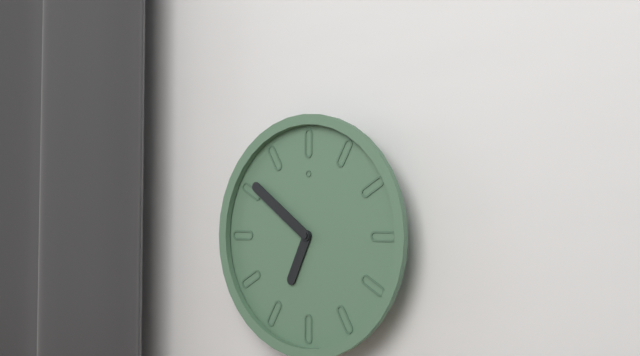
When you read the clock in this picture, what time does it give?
6:51
